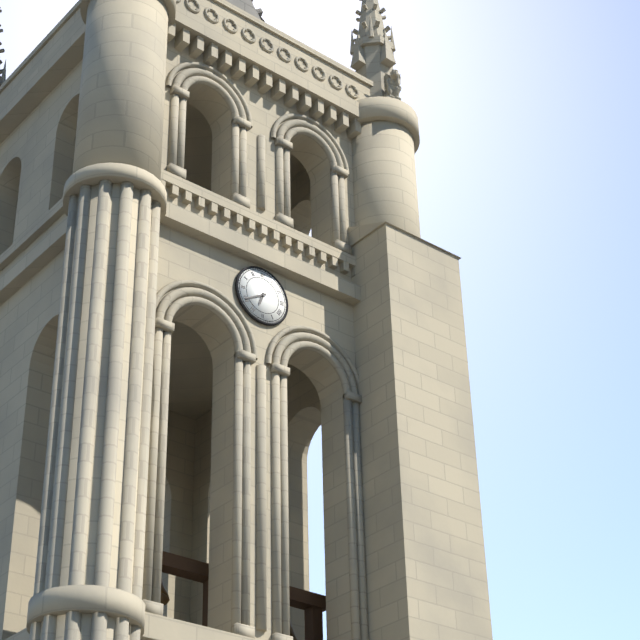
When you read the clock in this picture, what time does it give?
6:40
